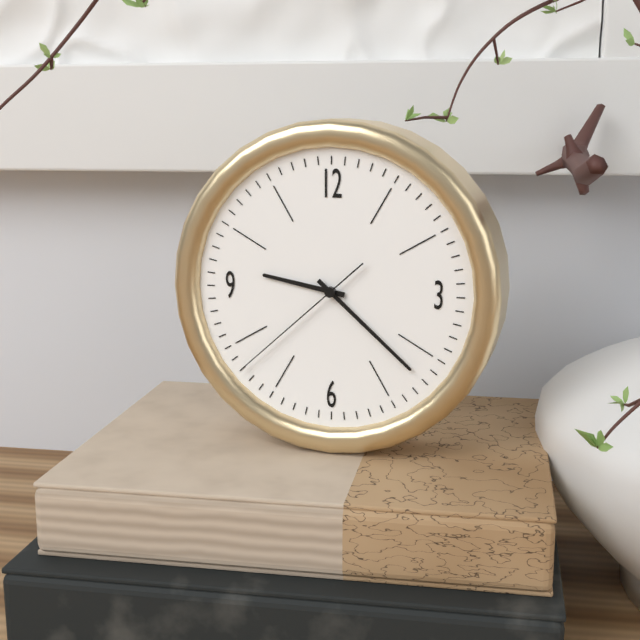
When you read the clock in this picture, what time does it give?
9:22:38
